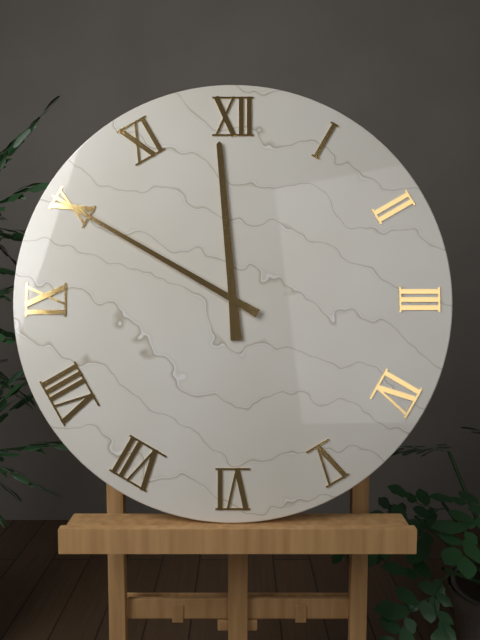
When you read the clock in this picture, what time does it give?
11:50
